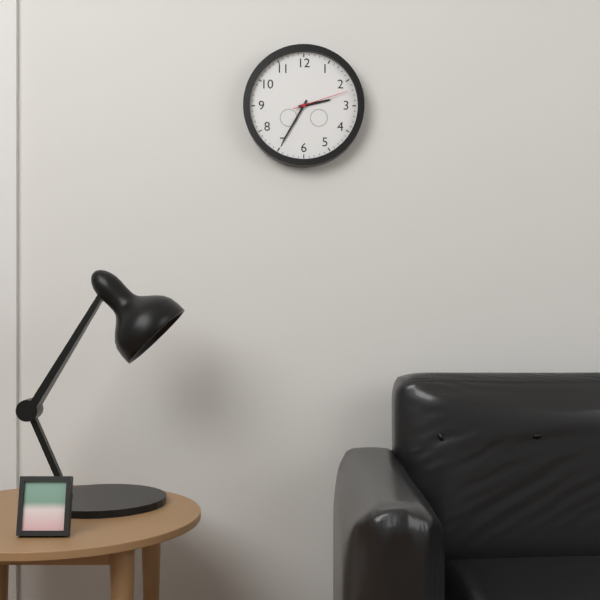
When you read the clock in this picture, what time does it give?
2:35:12
